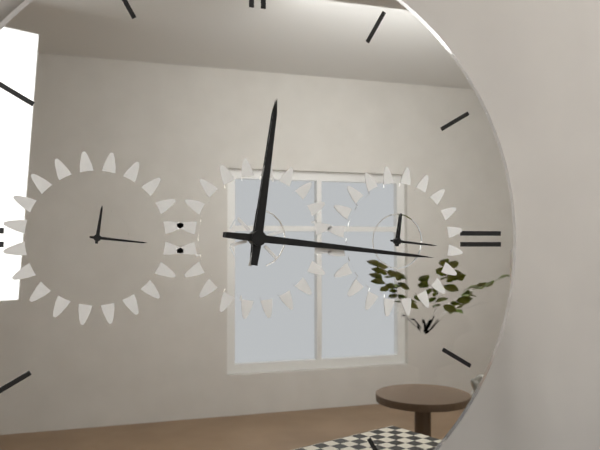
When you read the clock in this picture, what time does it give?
12:16
